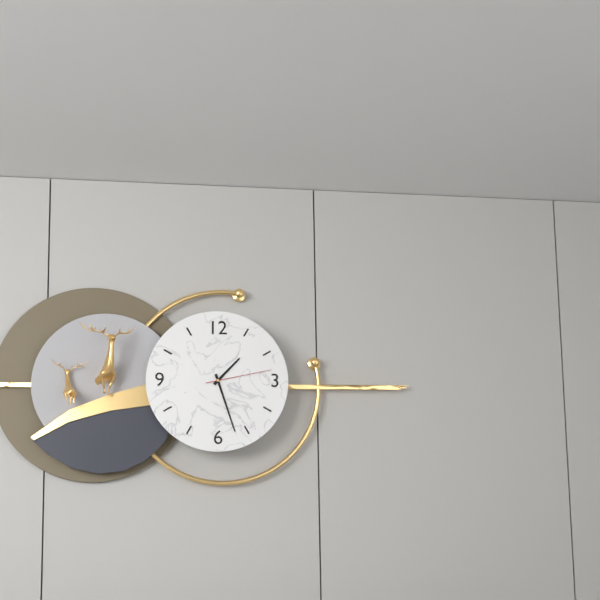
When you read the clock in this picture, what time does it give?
1:27:13
